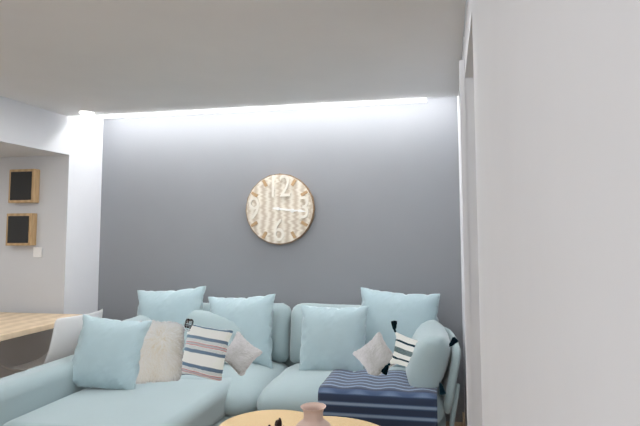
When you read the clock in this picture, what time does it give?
3:16
